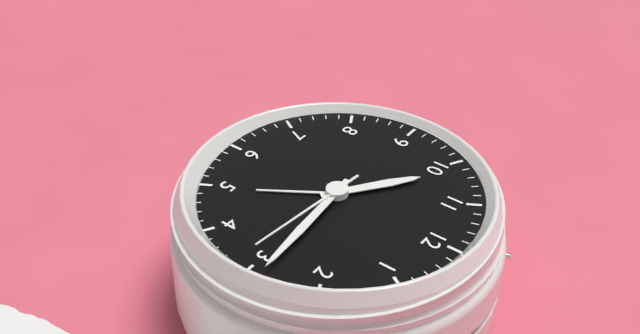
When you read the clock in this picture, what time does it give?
10:14:16
